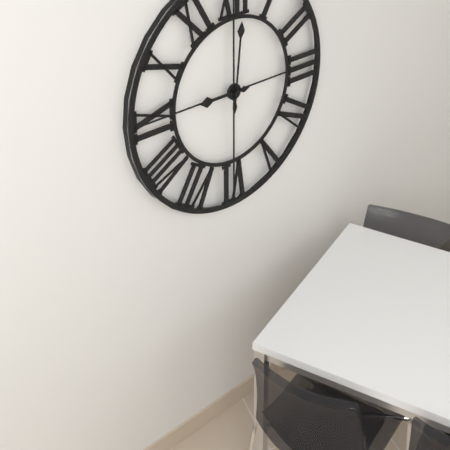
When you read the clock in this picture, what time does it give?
9:01
